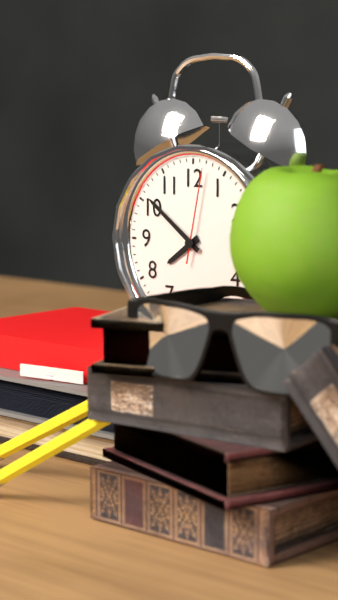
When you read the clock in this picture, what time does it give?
7:51:02
